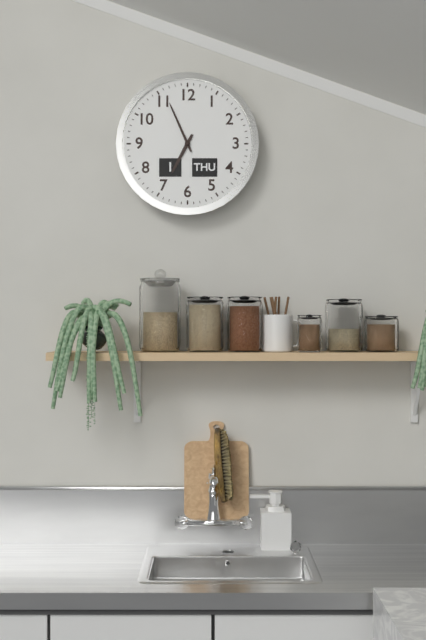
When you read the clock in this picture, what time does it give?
6:56
